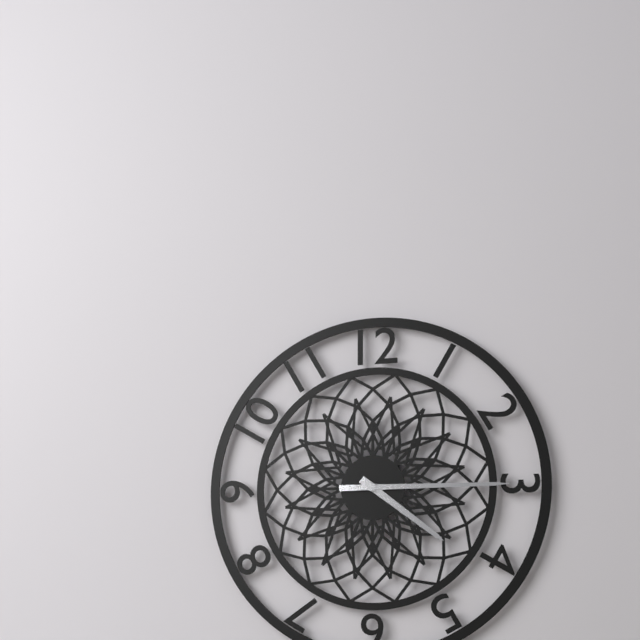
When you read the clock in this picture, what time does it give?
4:15
